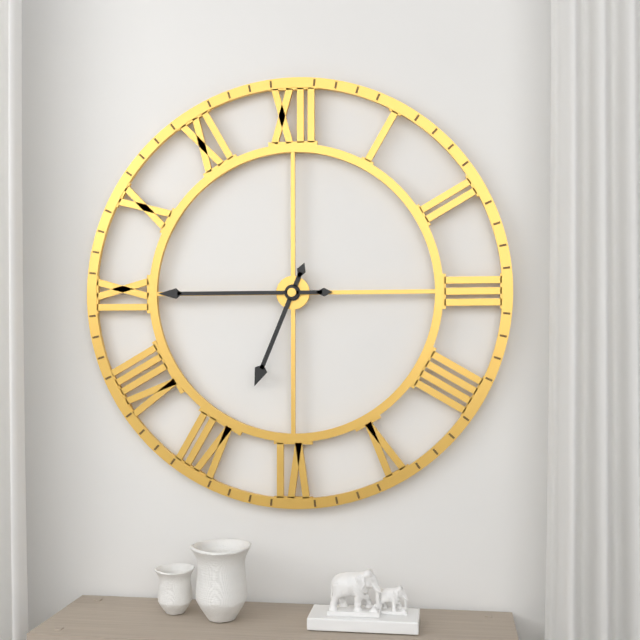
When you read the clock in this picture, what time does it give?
6:45
